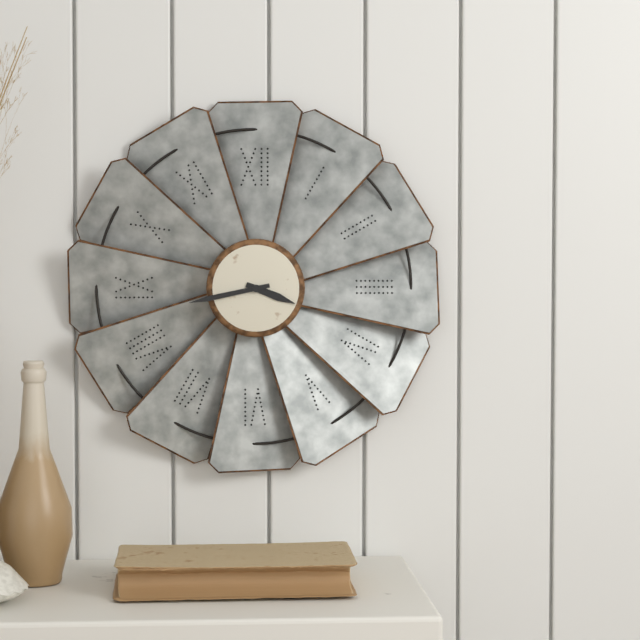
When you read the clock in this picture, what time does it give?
3:43
